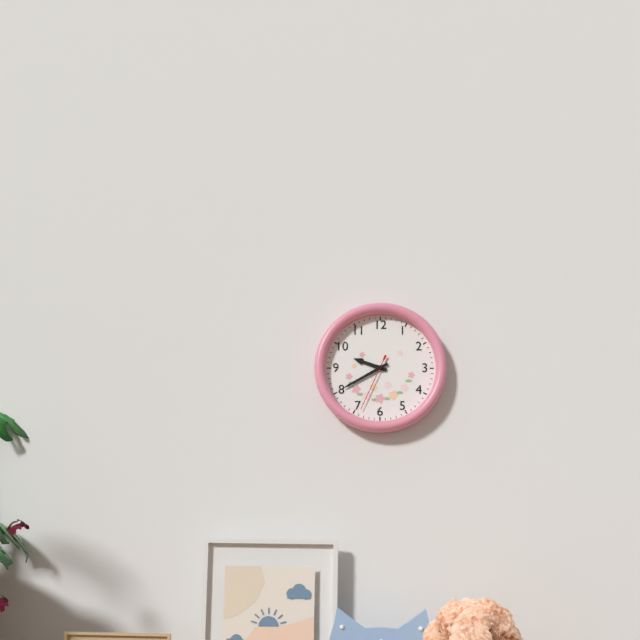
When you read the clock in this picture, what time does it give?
9:40:34
